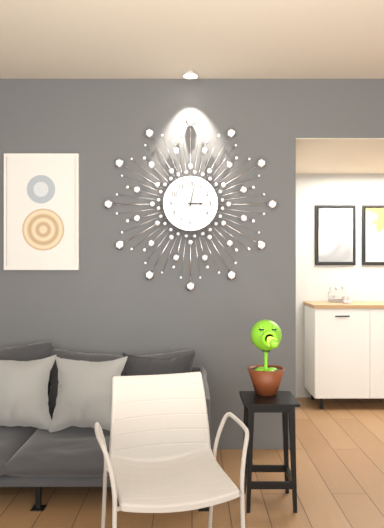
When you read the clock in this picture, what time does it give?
3:02
